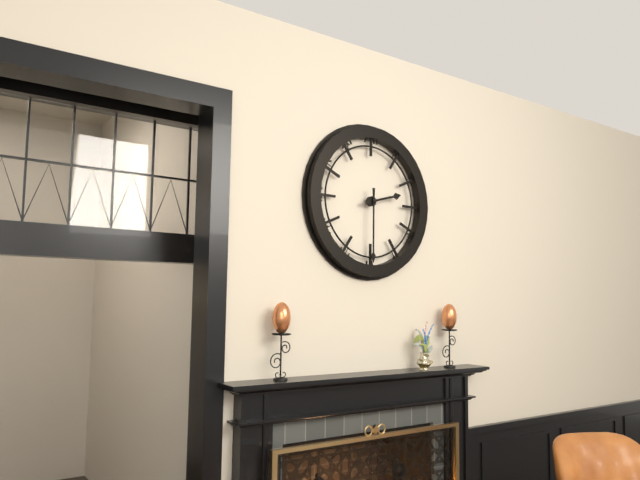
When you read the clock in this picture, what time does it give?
2:30
